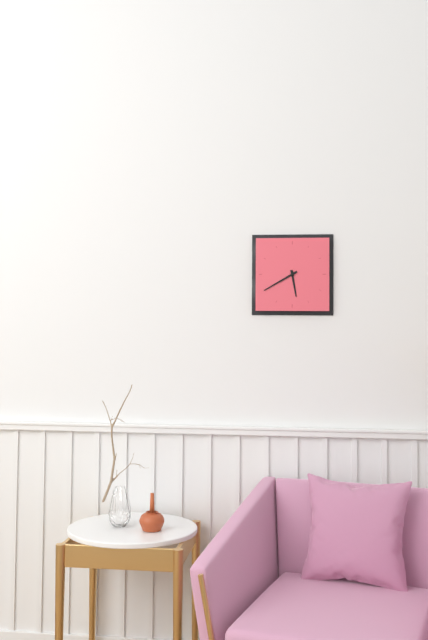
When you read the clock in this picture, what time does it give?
5:40
